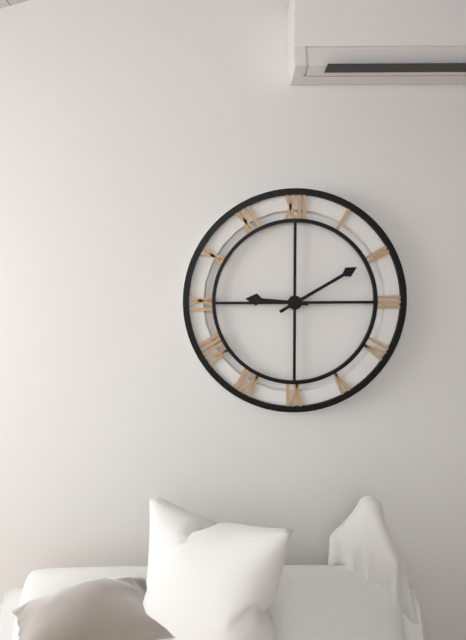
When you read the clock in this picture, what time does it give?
9:10
